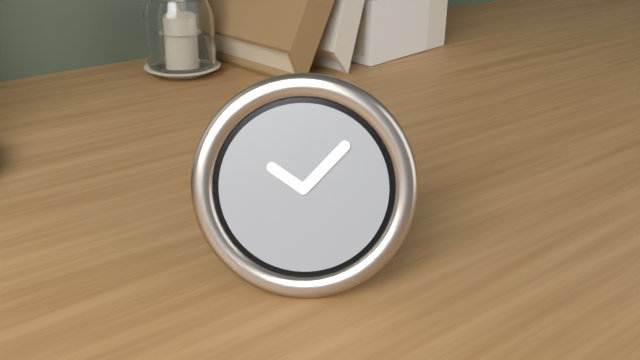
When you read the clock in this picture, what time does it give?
10:07
